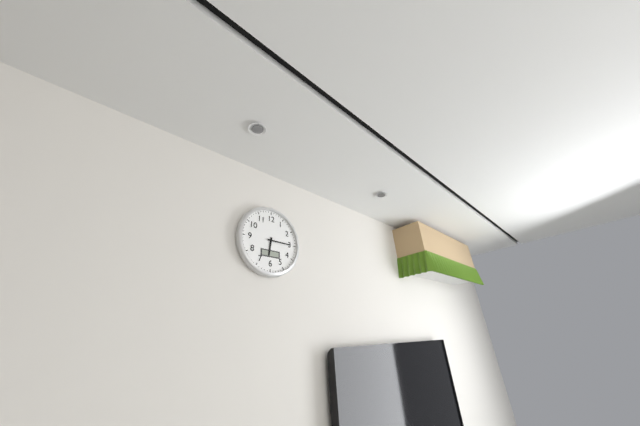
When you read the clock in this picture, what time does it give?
6:15
